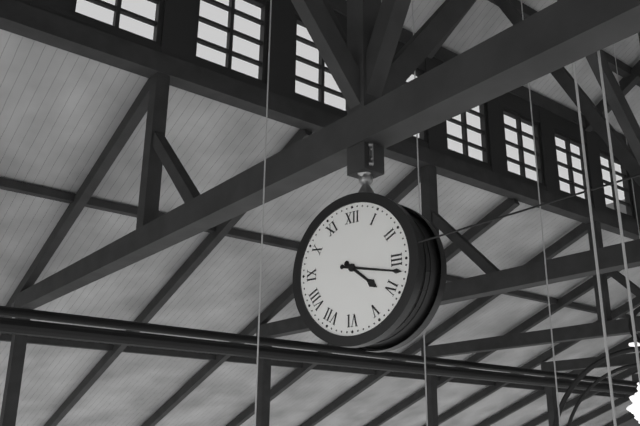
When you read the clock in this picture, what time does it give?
4:17
